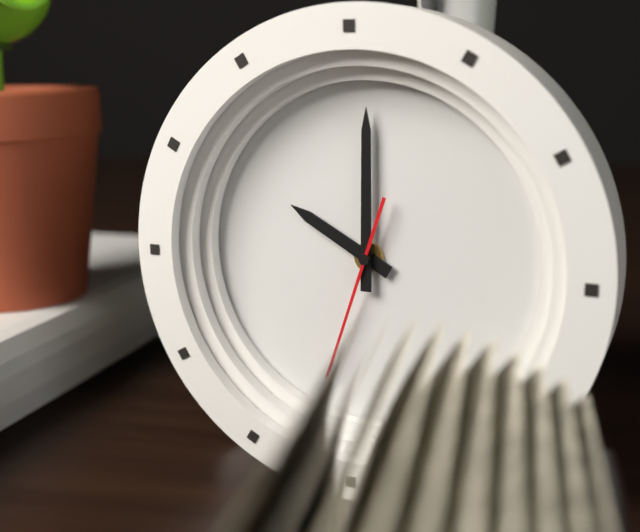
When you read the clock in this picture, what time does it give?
10:00:33
